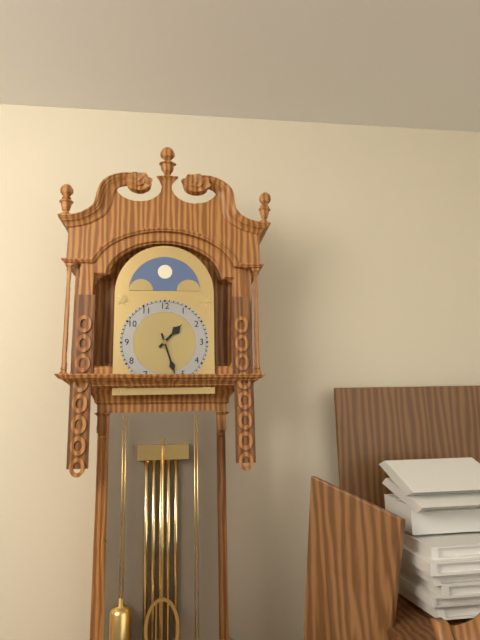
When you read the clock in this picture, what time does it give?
1:27
